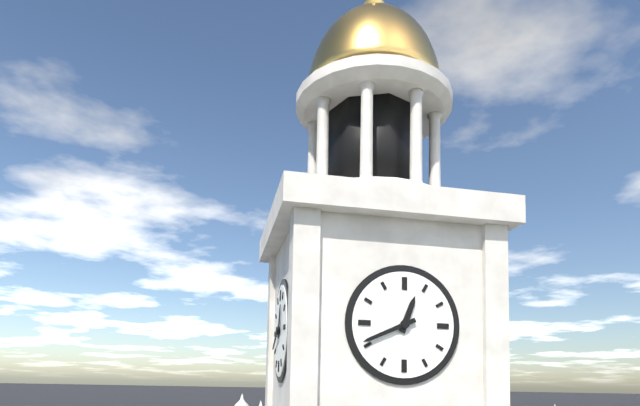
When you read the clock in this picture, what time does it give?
12:41
